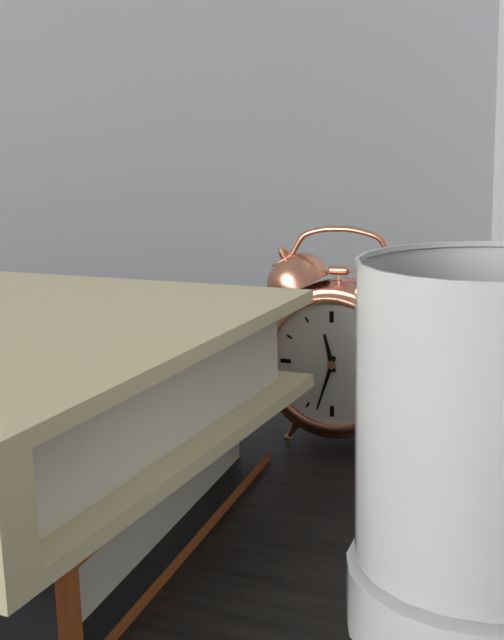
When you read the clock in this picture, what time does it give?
11:33
